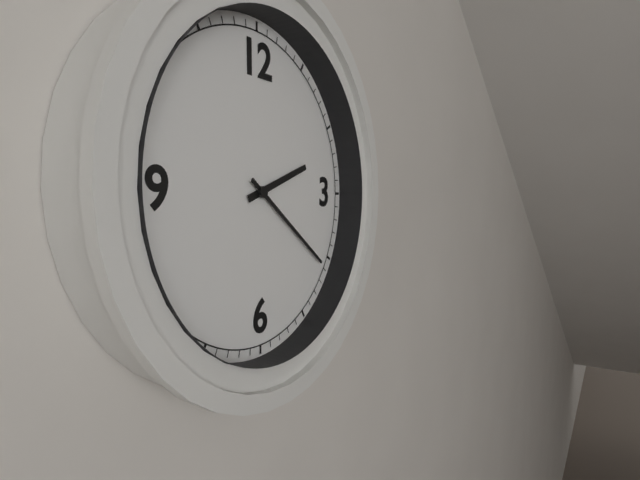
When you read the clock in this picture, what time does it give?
2:21
